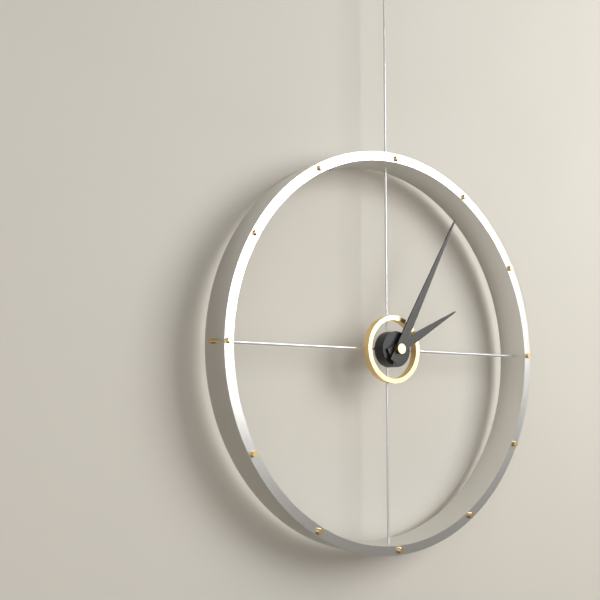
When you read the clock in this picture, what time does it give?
2:05
